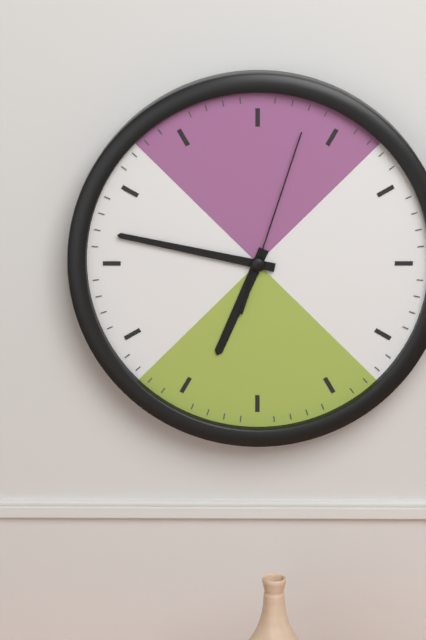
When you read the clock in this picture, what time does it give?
6:47:03
